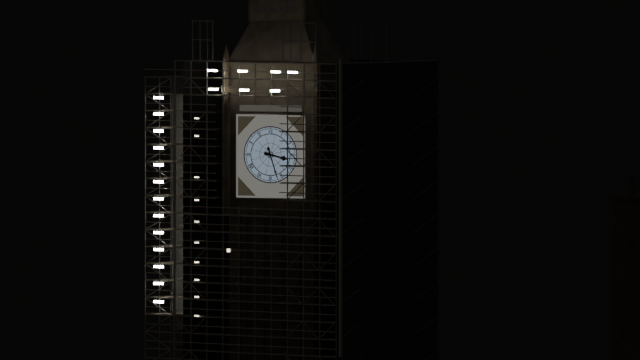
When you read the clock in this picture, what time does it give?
3:27
